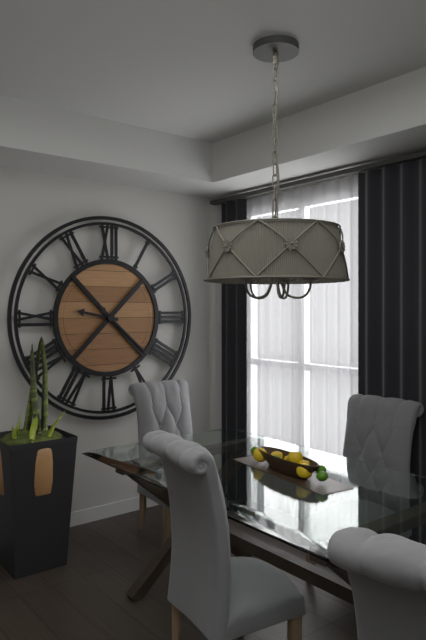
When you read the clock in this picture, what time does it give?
9:22
